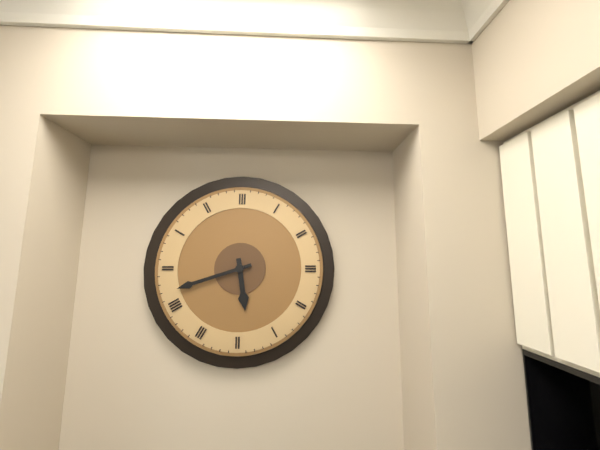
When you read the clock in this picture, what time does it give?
5:42
